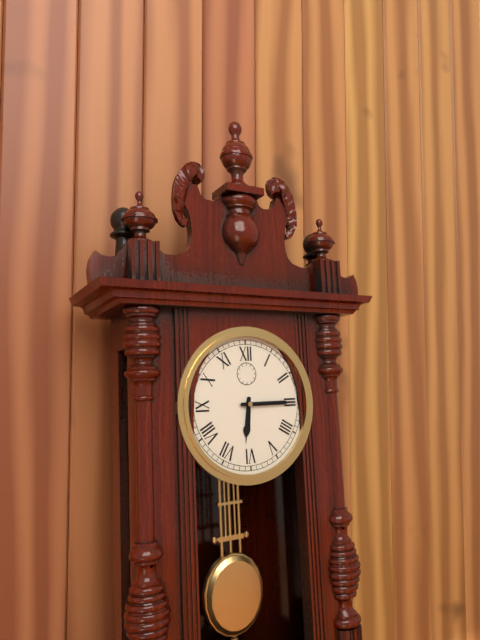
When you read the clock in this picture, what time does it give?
6:15
